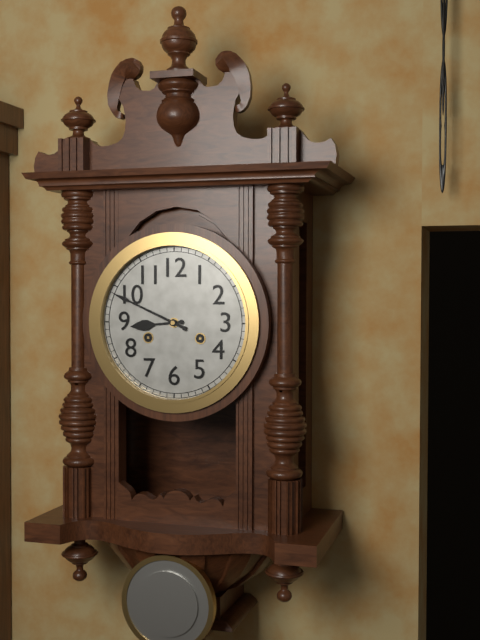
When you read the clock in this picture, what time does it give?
8:49
